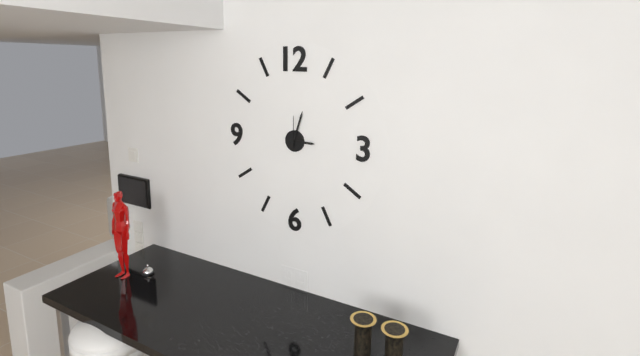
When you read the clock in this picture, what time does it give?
3:03
